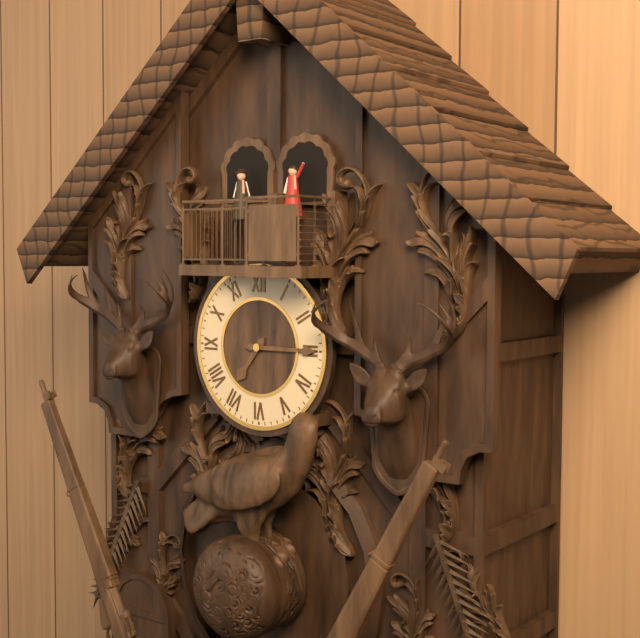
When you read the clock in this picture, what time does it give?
7:15
